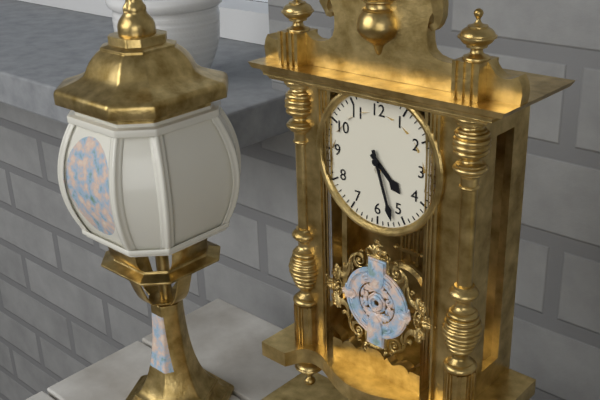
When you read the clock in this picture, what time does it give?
4:27
